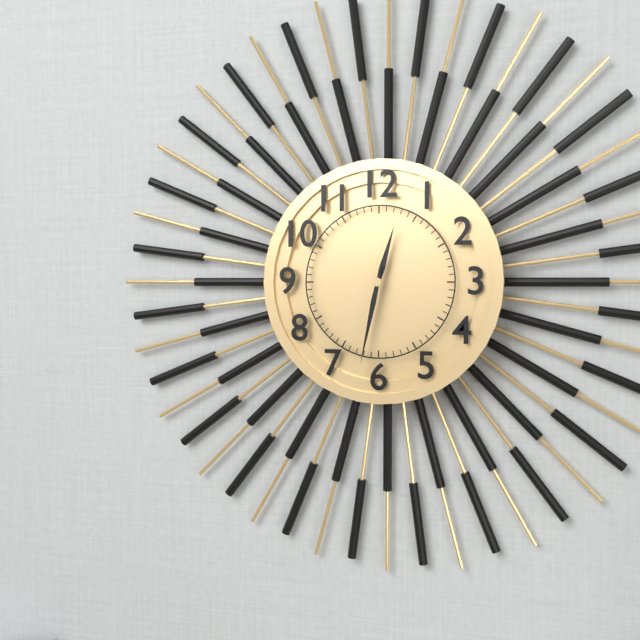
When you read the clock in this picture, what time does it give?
12:32
